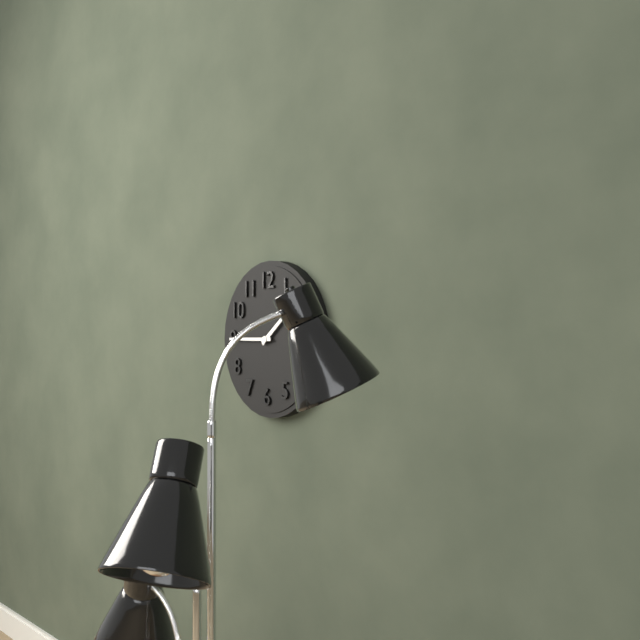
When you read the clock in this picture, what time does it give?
1:45
